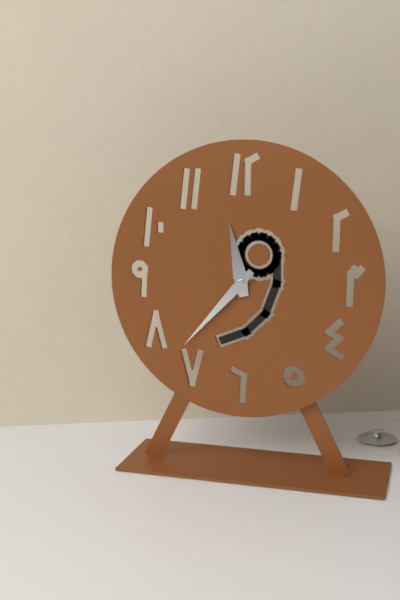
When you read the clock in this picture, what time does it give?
11:37
